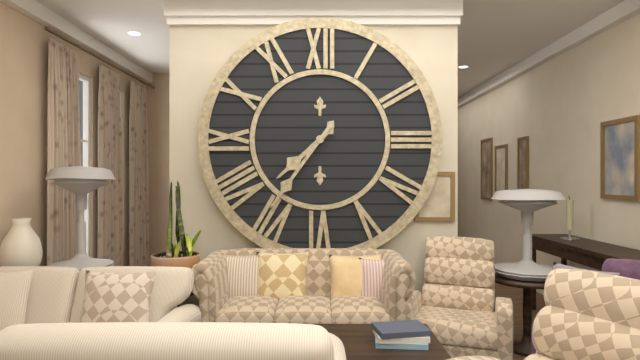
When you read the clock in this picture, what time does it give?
7:36
